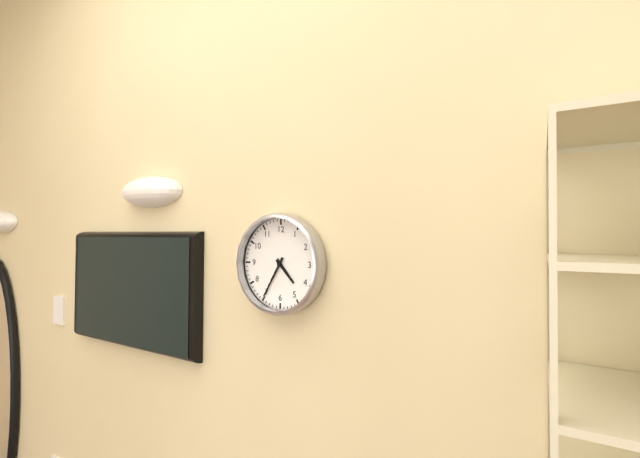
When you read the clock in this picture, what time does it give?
4:35
